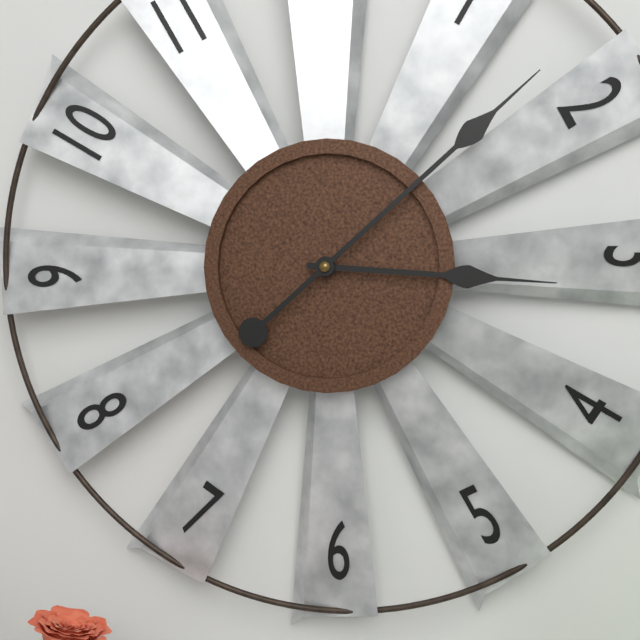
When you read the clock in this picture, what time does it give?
3:08
